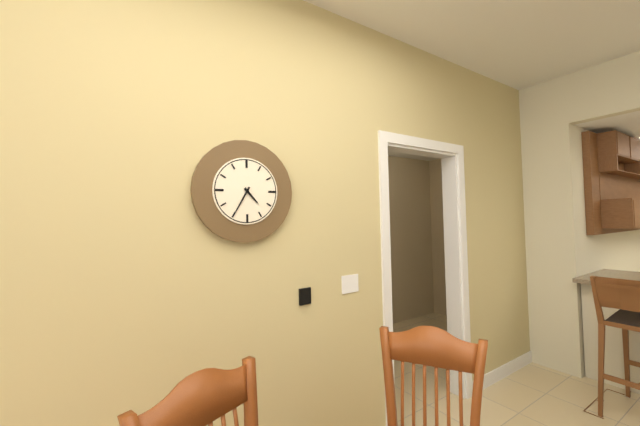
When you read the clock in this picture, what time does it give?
4:35
